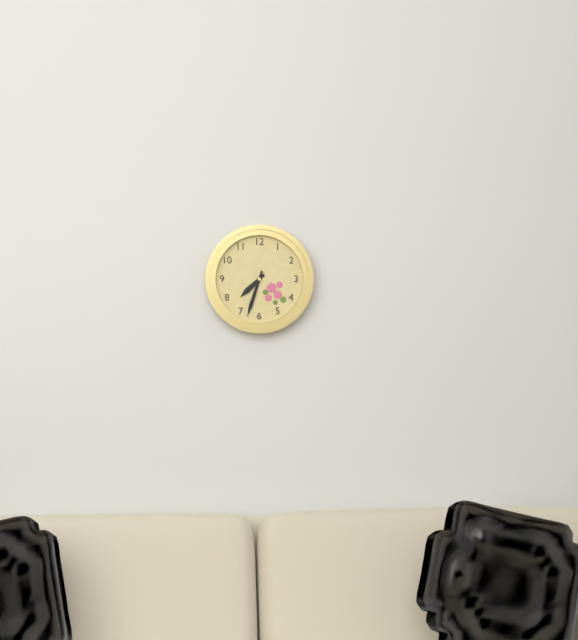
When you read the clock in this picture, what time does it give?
7:33
